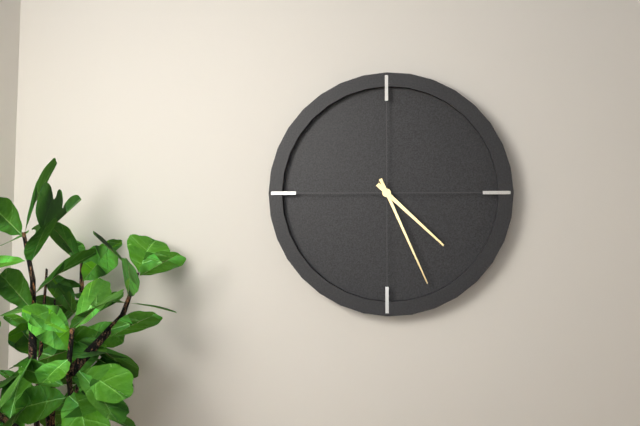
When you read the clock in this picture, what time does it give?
4:26
